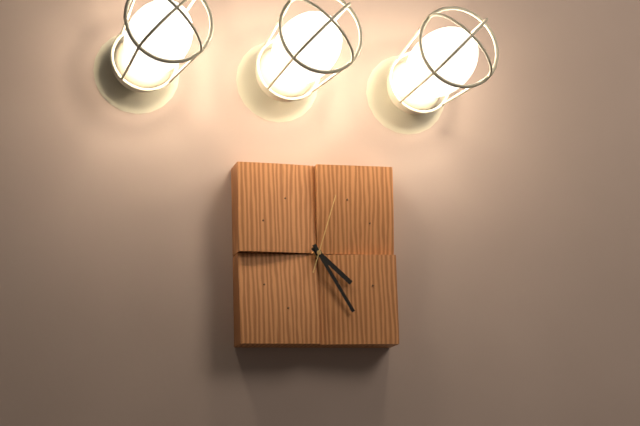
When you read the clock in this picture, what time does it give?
4:25:03
